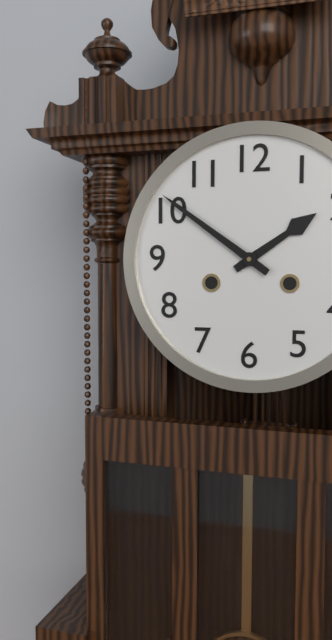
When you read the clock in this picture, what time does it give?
1:51
